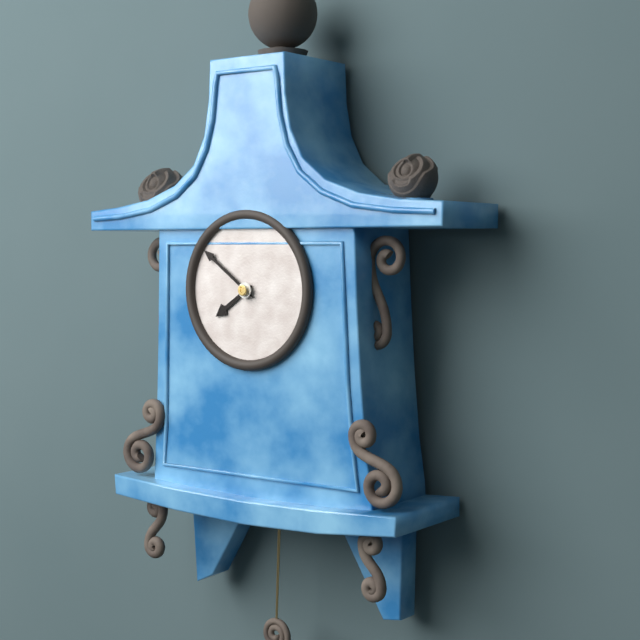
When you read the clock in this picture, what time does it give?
7:51
